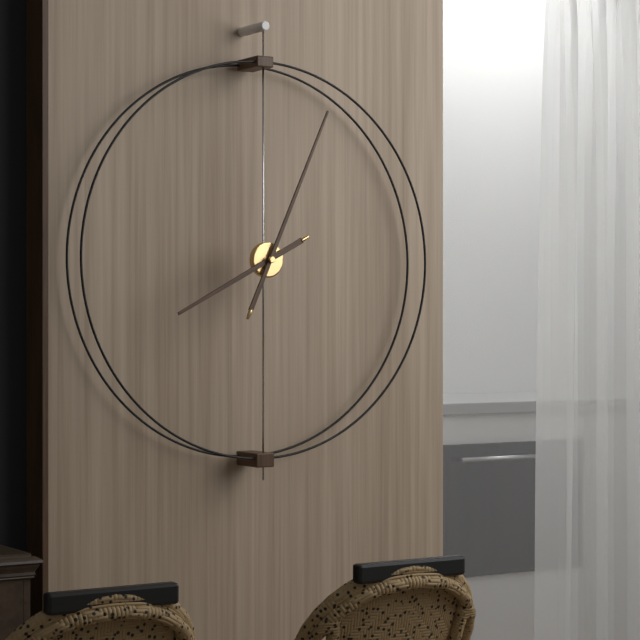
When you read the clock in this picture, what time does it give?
8:04
